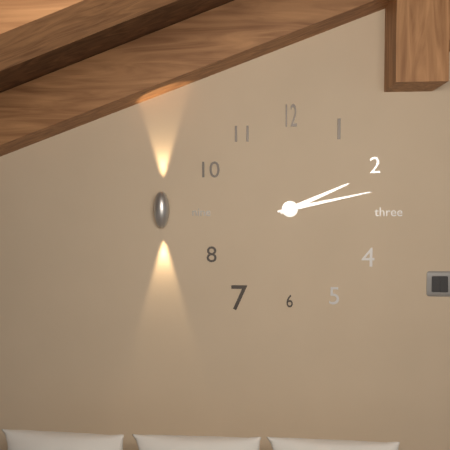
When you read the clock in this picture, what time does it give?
2:13
